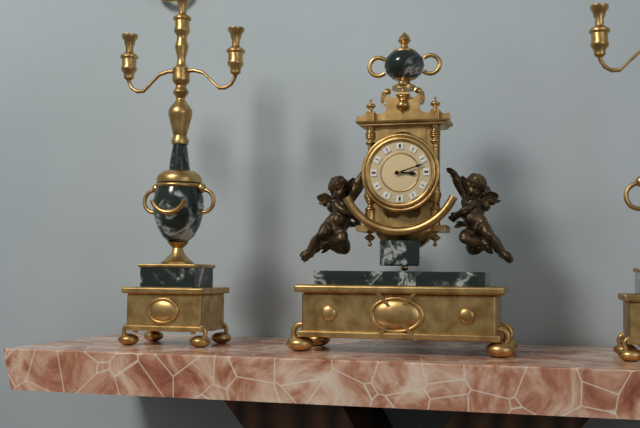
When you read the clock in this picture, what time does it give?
3:12
